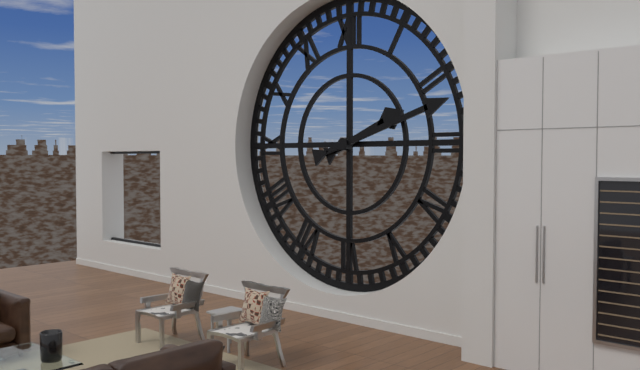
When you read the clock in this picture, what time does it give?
2:12
